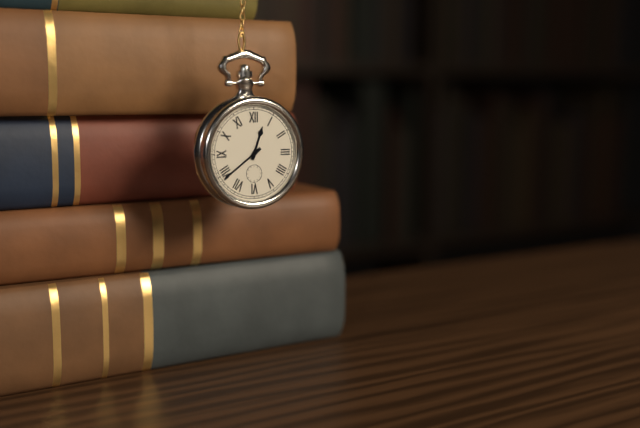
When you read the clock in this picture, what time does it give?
12:39
